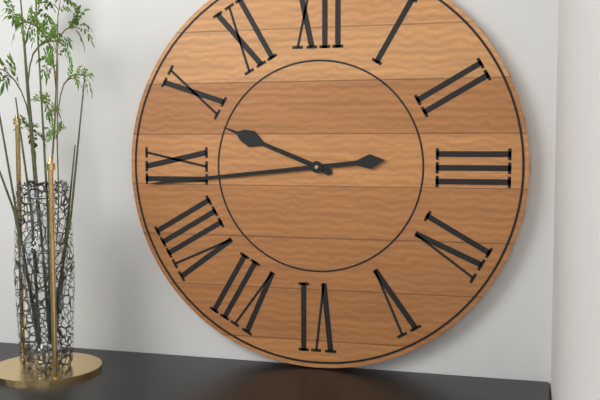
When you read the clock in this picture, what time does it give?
9:44
